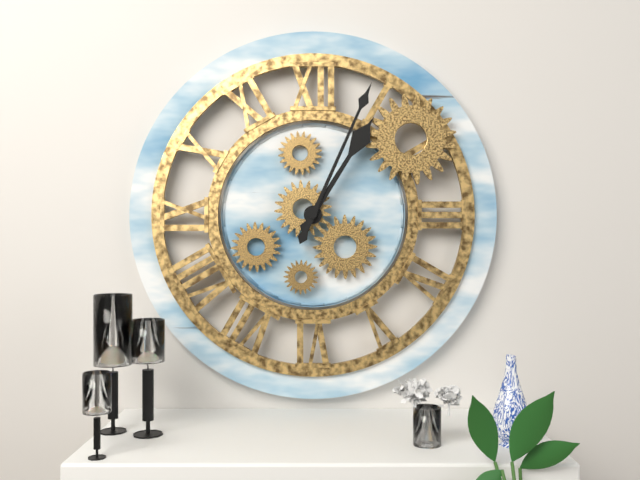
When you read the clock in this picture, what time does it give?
1:04
